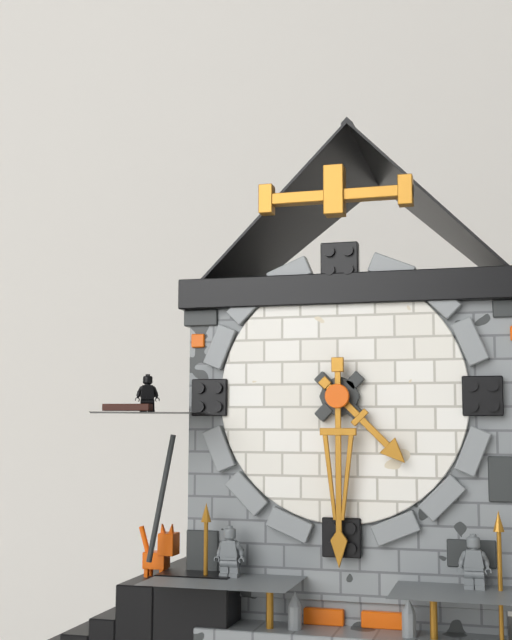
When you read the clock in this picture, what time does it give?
4:30
